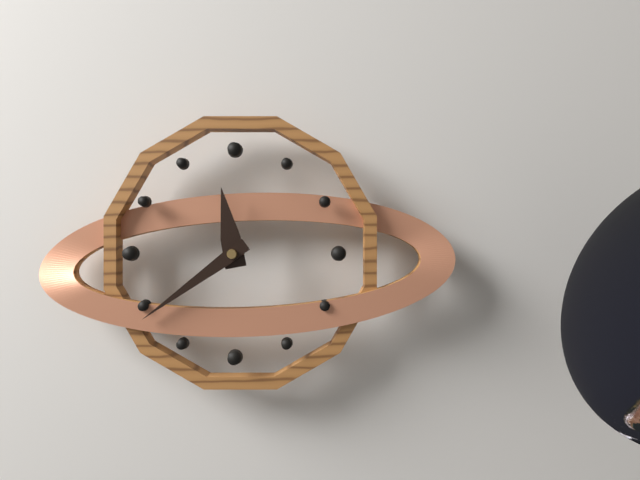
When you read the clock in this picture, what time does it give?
11:39
